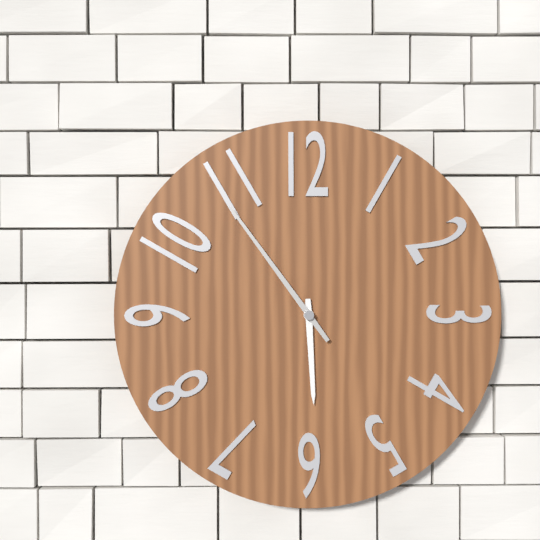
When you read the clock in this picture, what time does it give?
5:54
